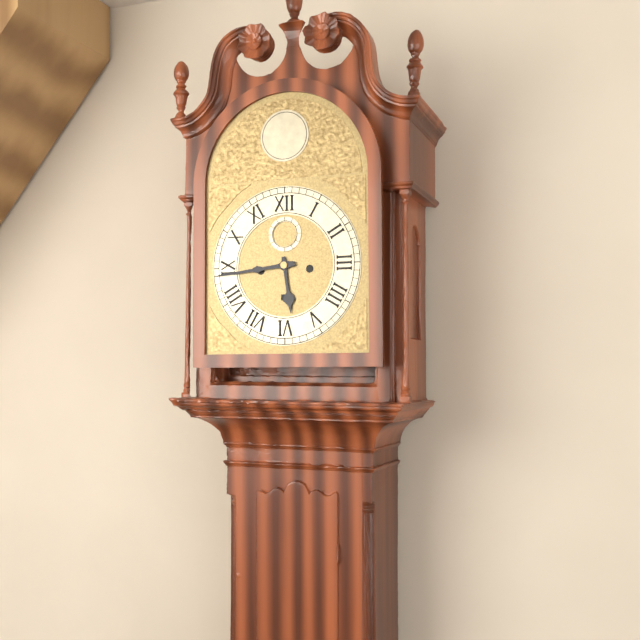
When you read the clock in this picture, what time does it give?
5:44
